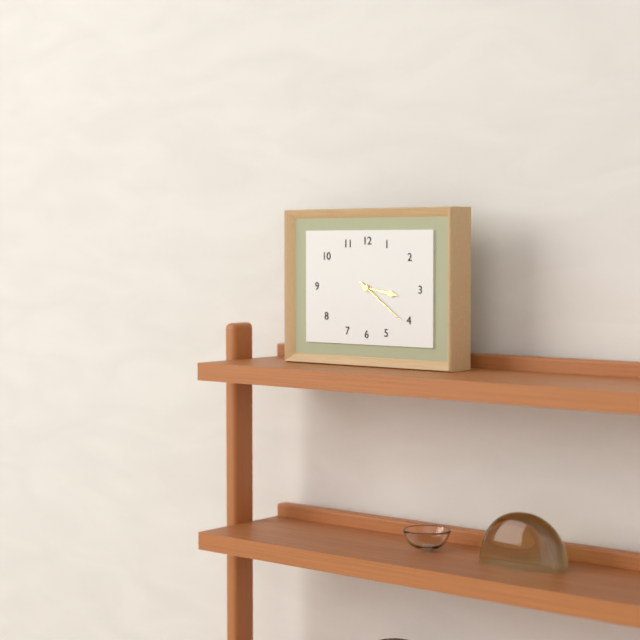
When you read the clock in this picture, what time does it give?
3:21
